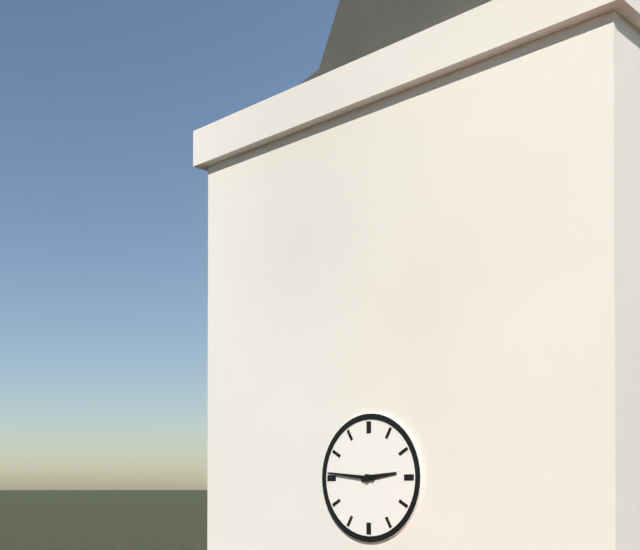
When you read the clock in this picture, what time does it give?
2:46
